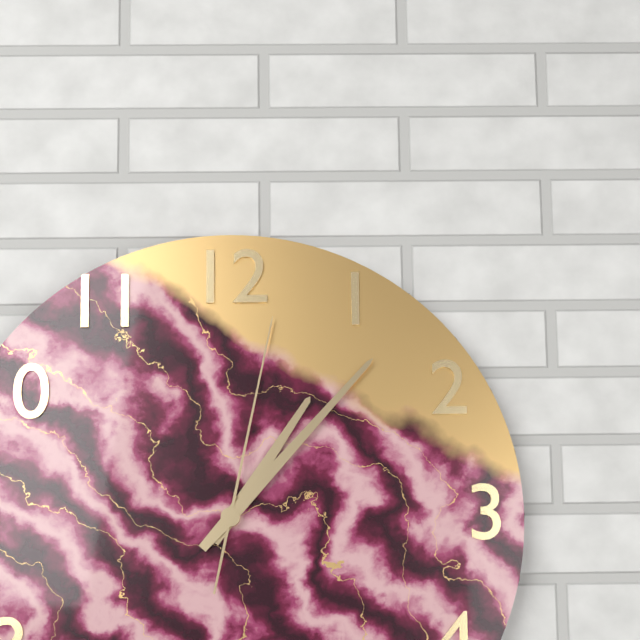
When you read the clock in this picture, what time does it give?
1:07:02
